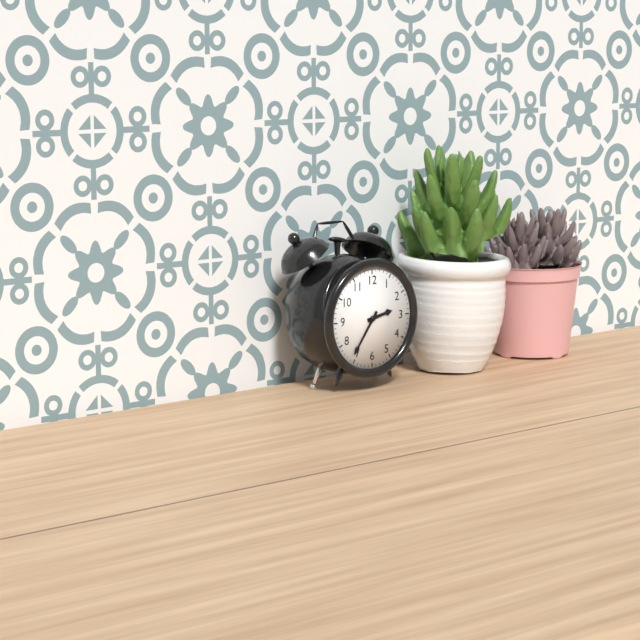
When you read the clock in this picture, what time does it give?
2:36
